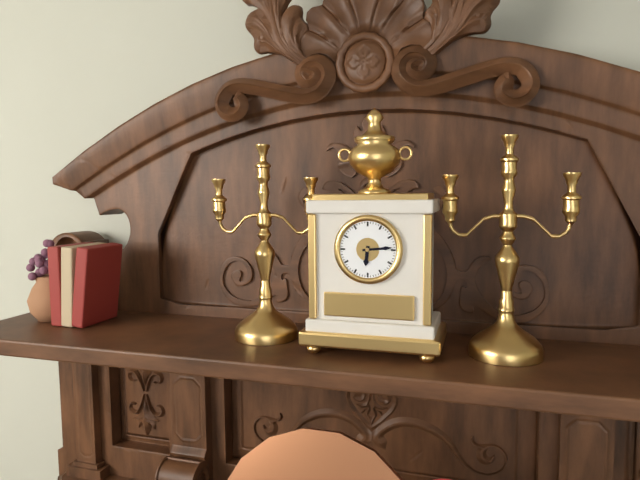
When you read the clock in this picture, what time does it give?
6:14
